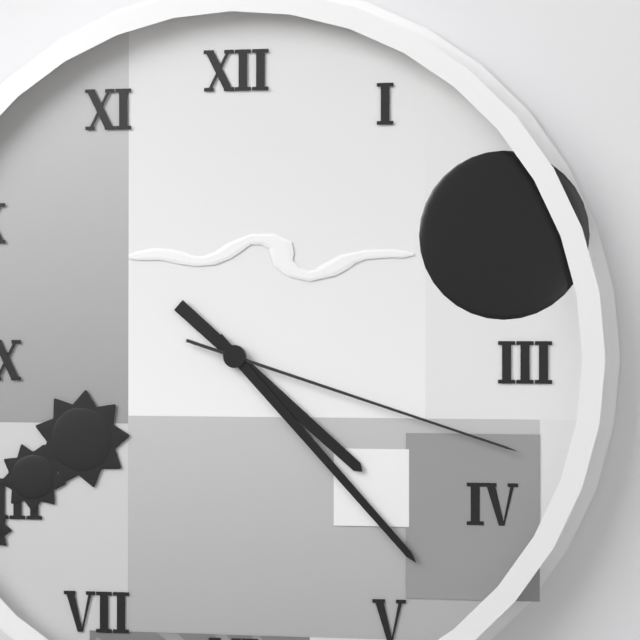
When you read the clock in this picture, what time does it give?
4:23:18
